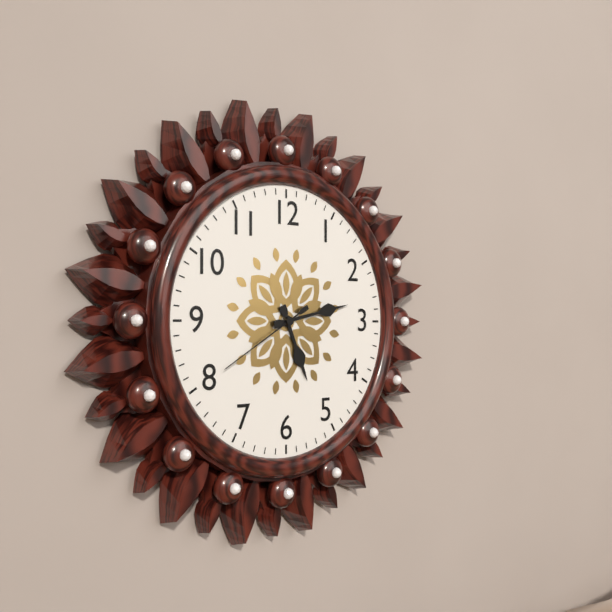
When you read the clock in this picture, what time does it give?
5:13:40
